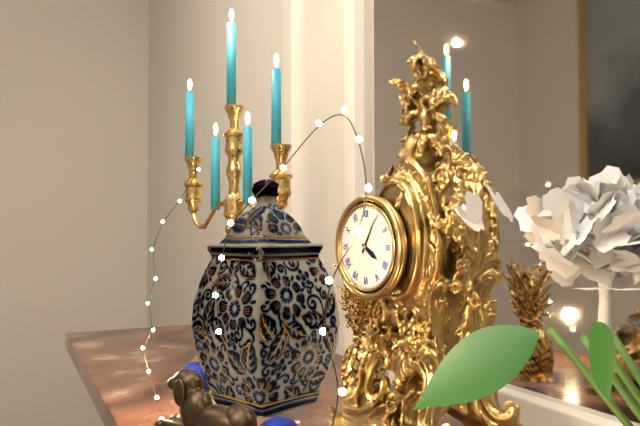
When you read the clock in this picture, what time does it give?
4:05
